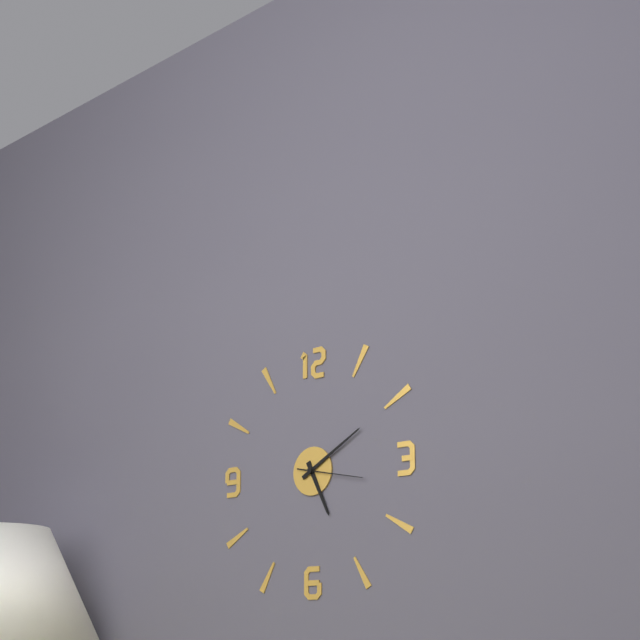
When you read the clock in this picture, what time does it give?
5:10:17
